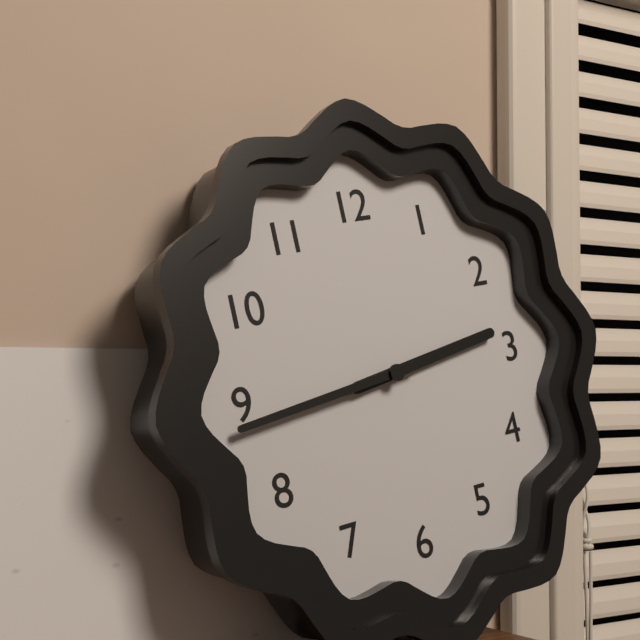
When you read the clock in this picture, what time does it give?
2:44
